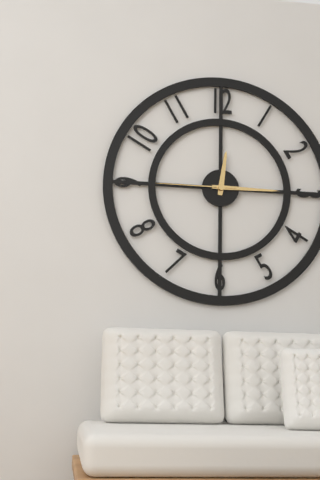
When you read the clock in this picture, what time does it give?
12:15:45
